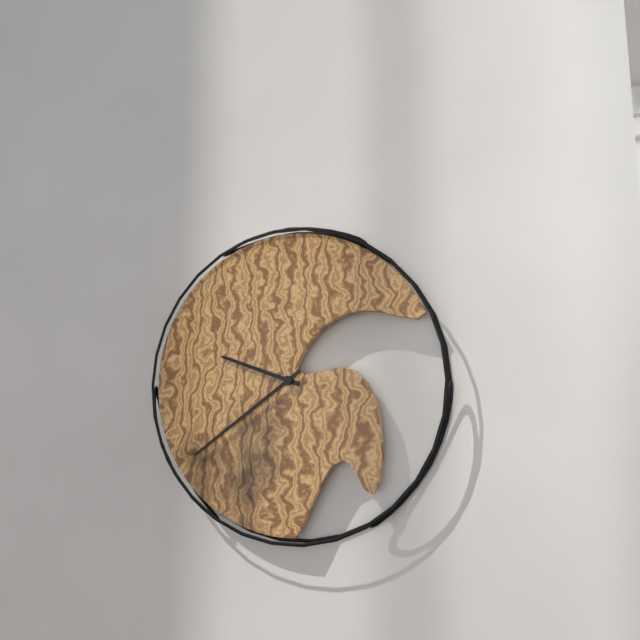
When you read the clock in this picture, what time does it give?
9:39
